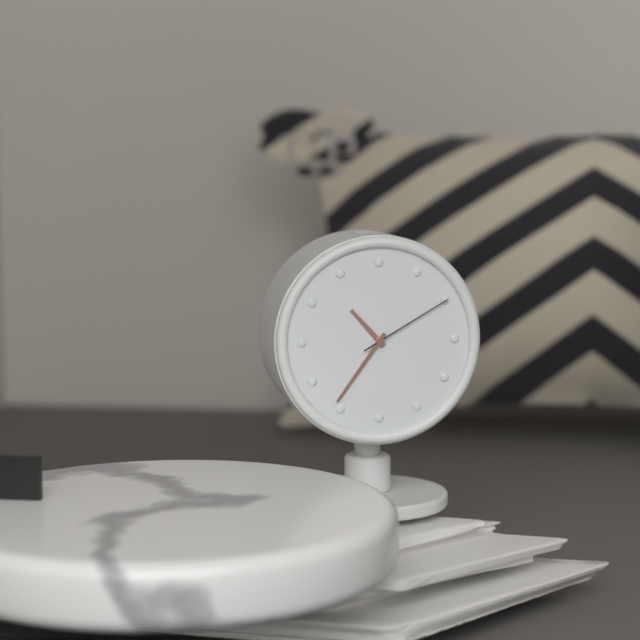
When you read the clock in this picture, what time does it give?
10:36:10
